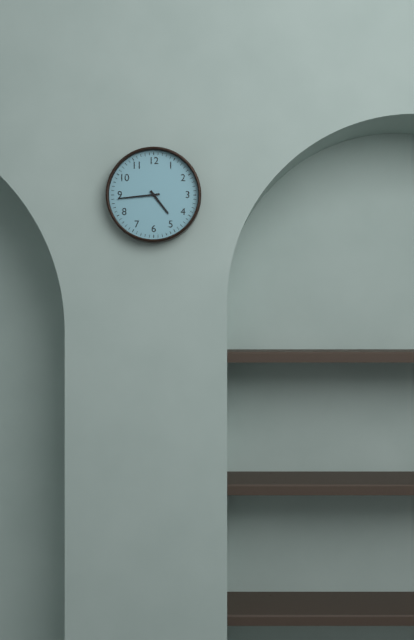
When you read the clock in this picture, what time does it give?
4:44
